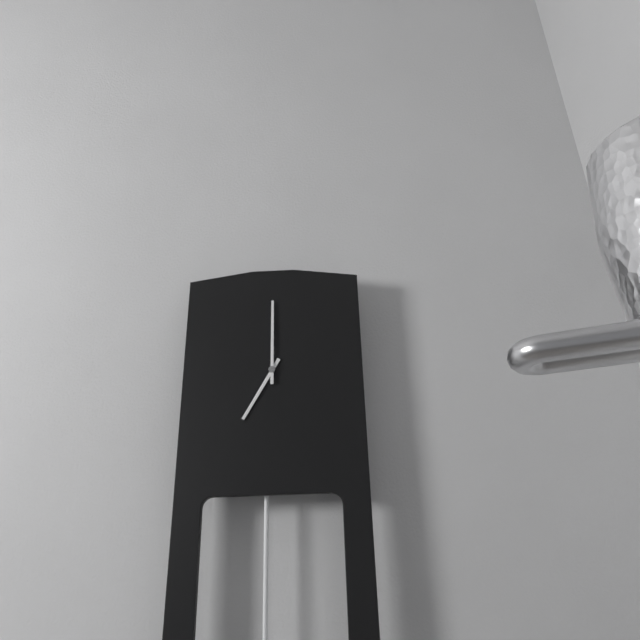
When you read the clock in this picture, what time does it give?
7:00
